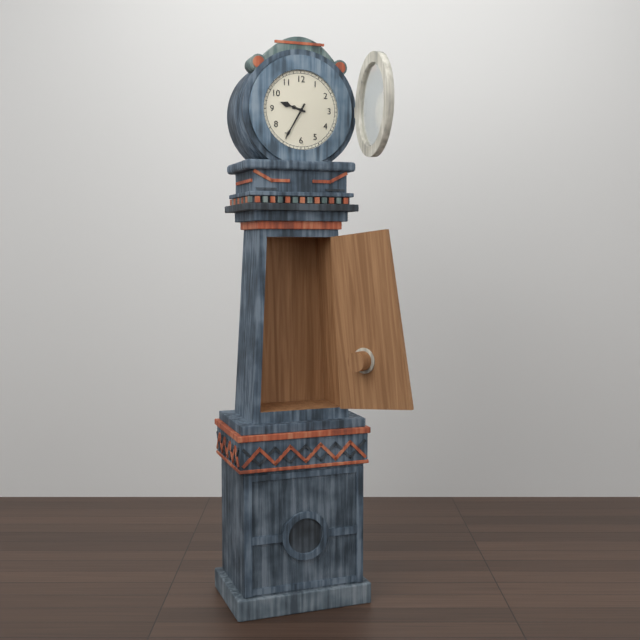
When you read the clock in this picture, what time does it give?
9:35
